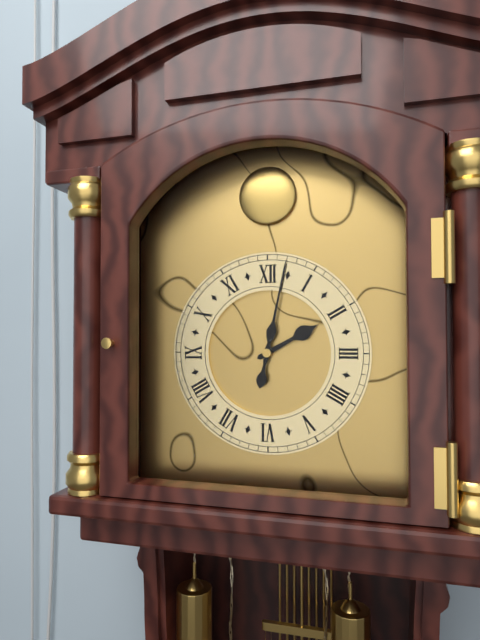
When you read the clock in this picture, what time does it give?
2:02
